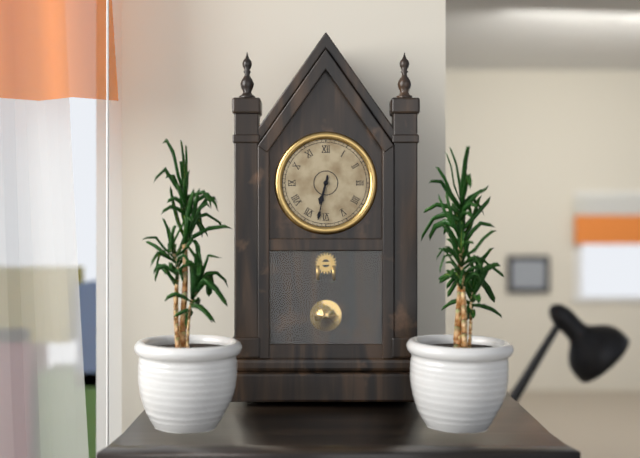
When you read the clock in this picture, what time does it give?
6:32
